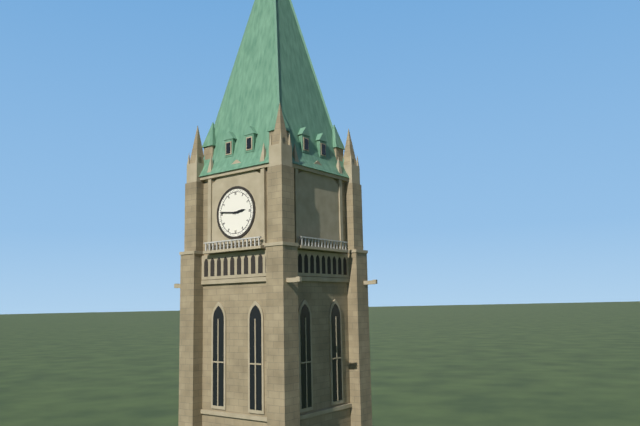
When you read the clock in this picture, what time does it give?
2:46
